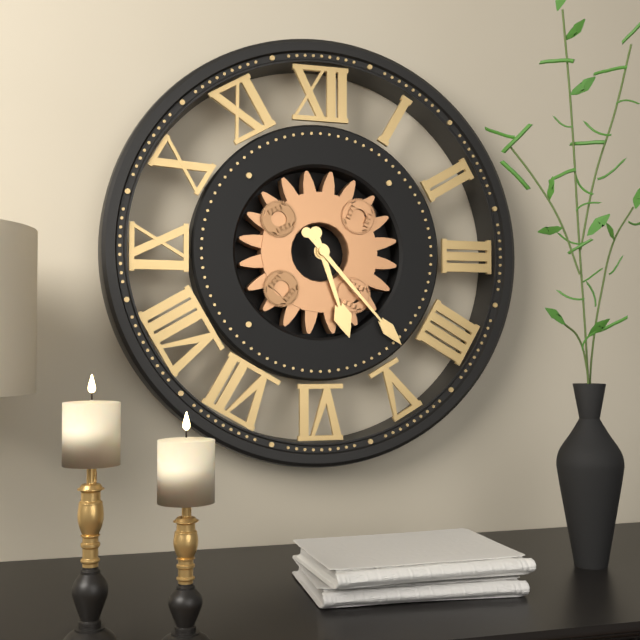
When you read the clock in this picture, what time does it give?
5:23
